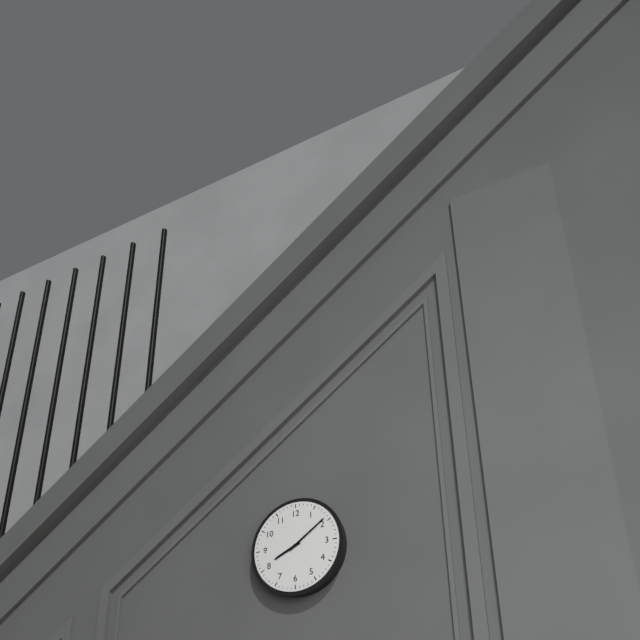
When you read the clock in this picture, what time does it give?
8:09
